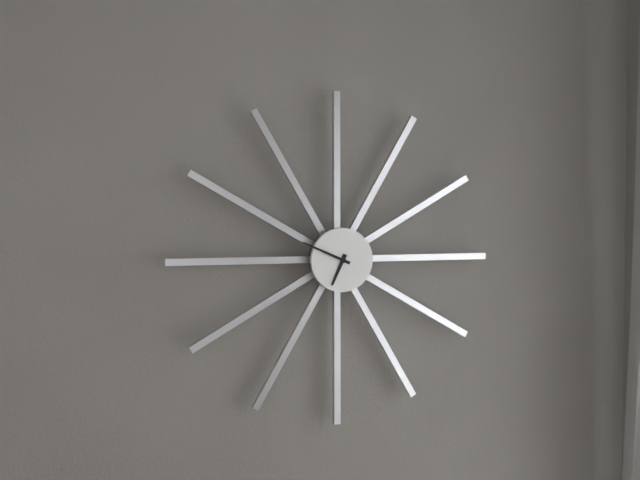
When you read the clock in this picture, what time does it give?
6:49
